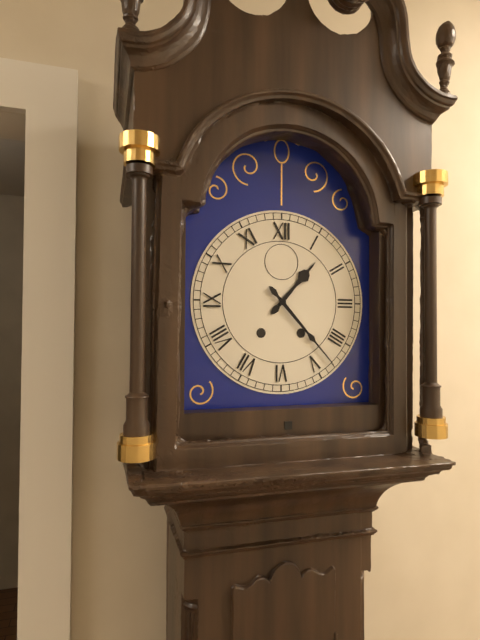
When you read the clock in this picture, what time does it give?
1:23
